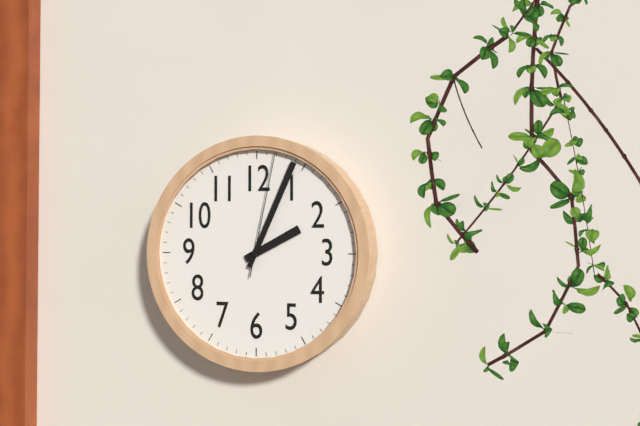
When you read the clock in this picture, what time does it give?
2:04:02
